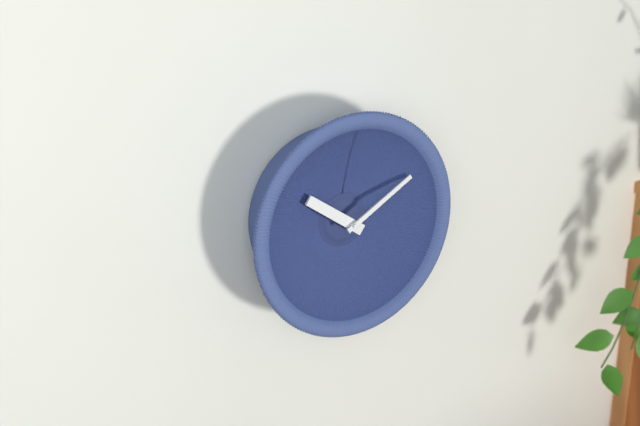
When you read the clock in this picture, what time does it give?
10:10
